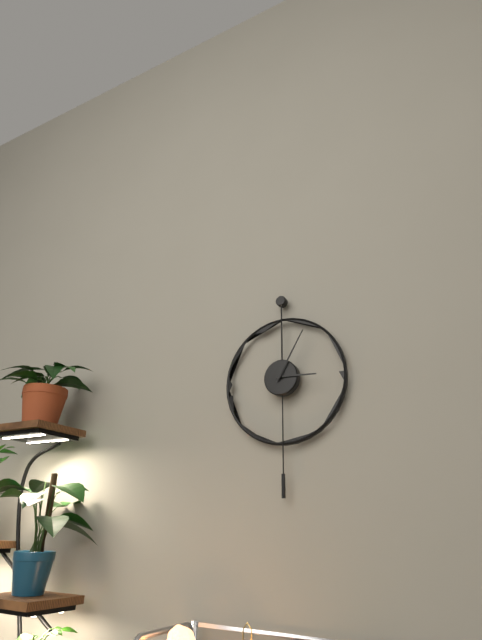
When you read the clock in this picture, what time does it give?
3:05
